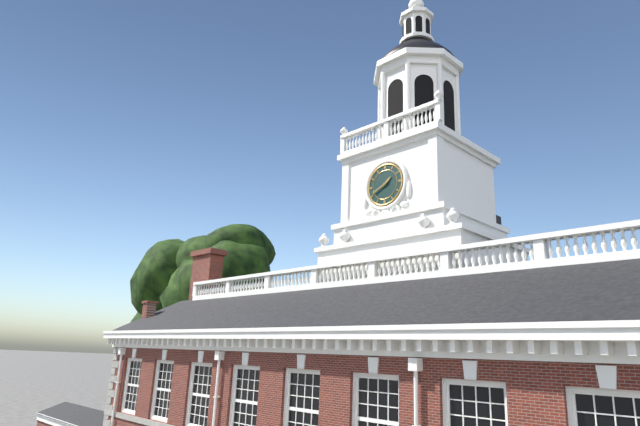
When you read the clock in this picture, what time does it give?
1:41
